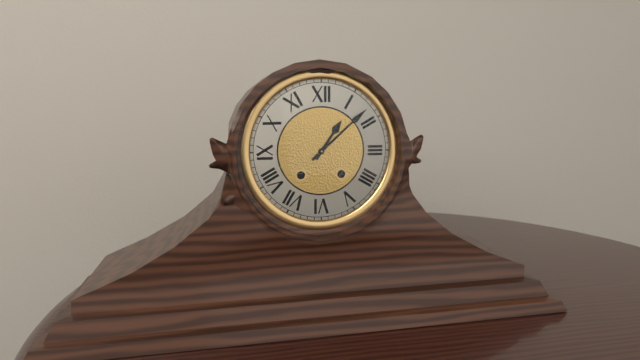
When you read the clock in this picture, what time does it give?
1:08
